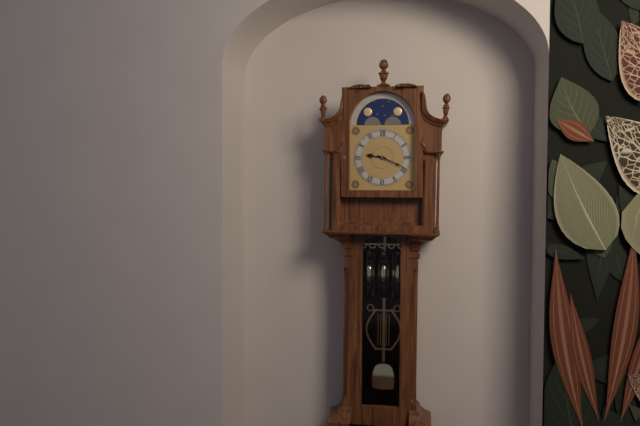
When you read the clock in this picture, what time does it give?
9:19
